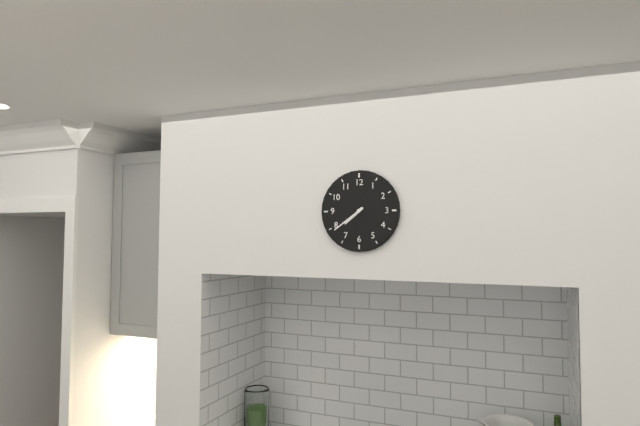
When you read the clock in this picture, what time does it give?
7:39
